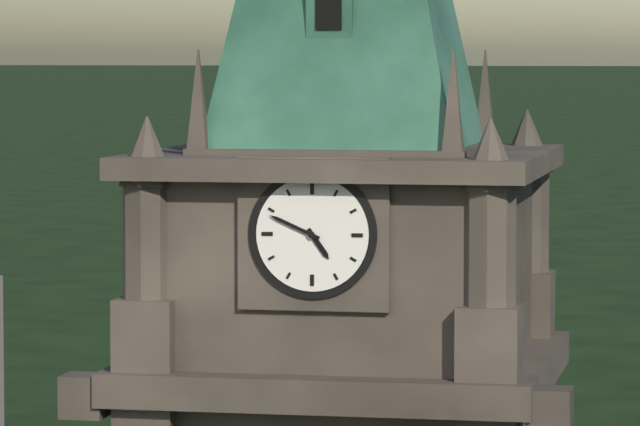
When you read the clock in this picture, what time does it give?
4:49
